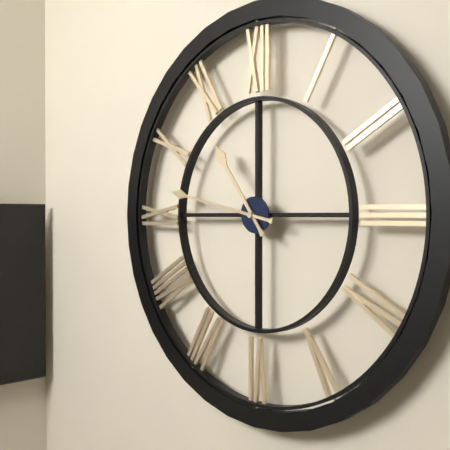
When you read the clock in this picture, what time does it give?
10:47
